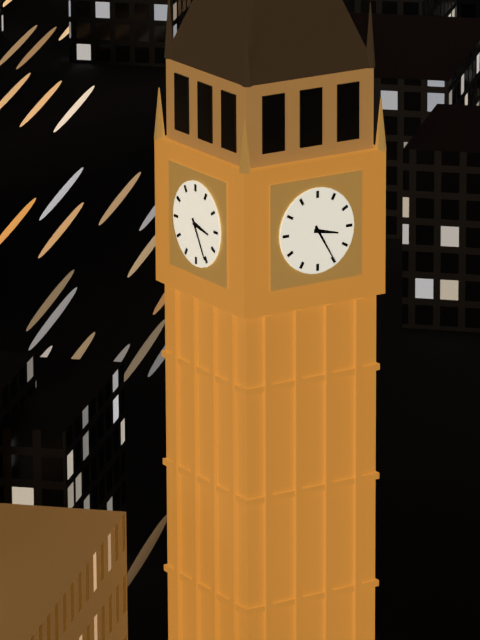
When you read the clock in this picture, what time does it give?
3:25
